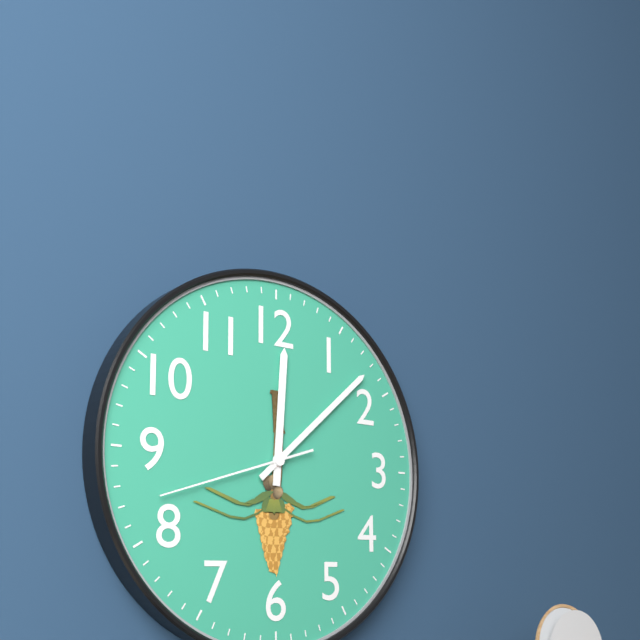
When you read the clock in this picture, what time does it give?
12:08:42
